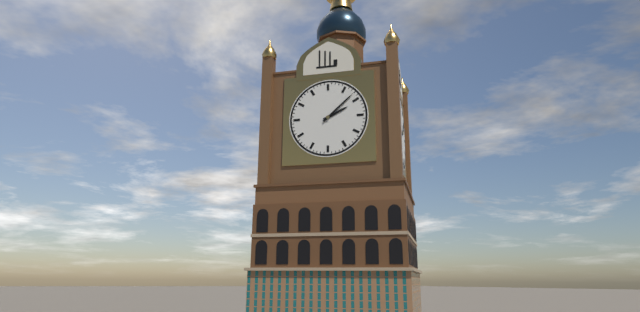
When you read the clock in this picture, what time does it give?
2:08
